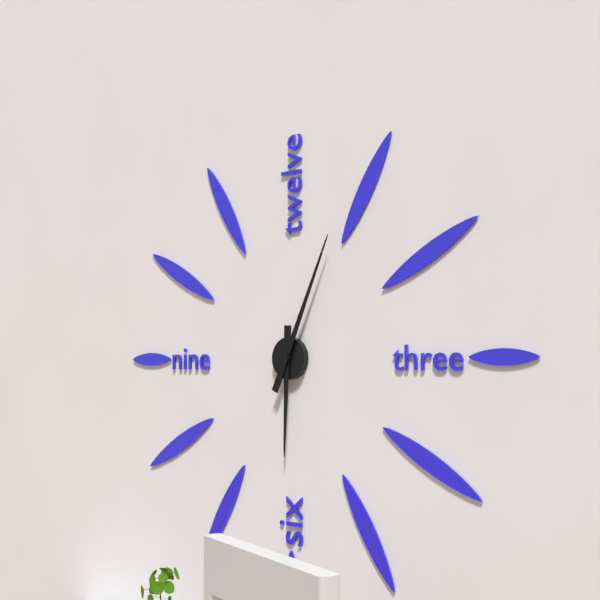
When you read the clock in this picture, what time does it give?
6:04
